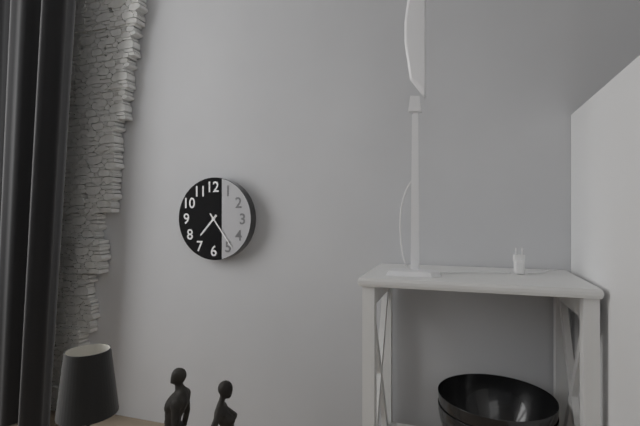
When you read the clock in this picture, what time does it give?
7:24
